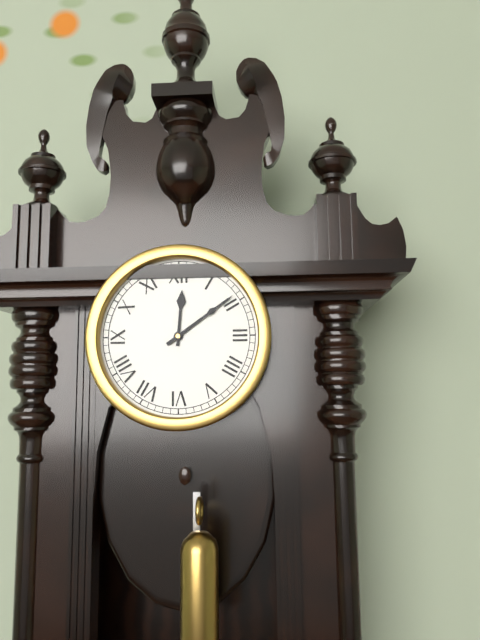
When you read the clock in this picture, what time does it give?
12:09
